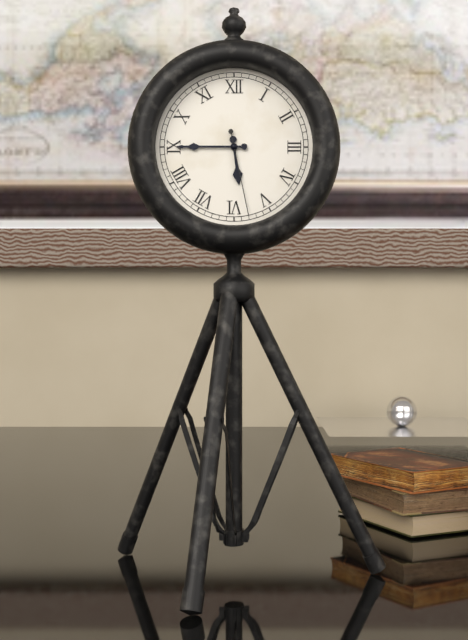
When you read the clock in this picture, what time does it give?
5:45:28
